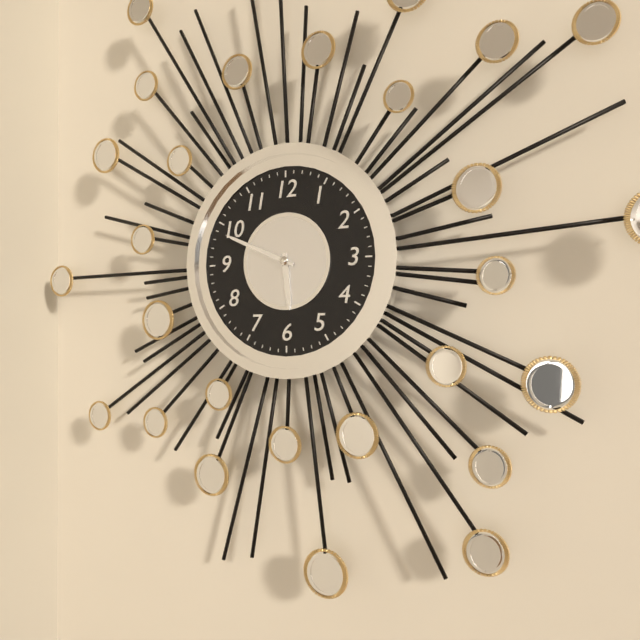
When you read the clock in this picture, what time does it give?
5:49
